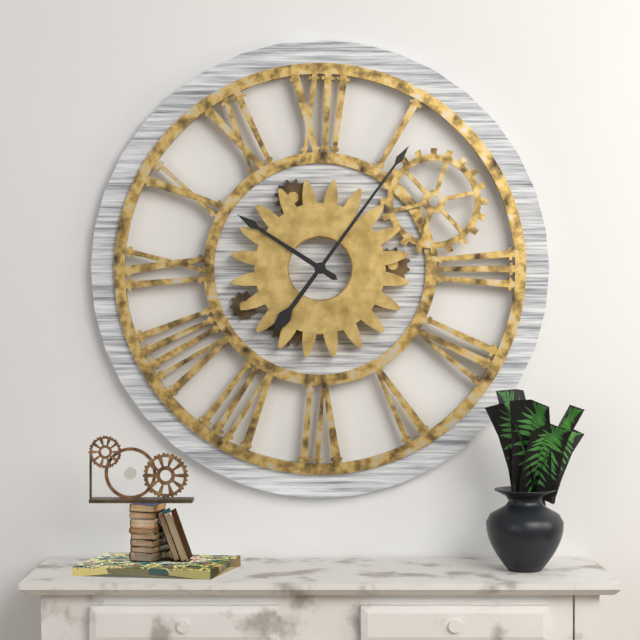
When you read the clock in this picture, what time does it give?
10:06
